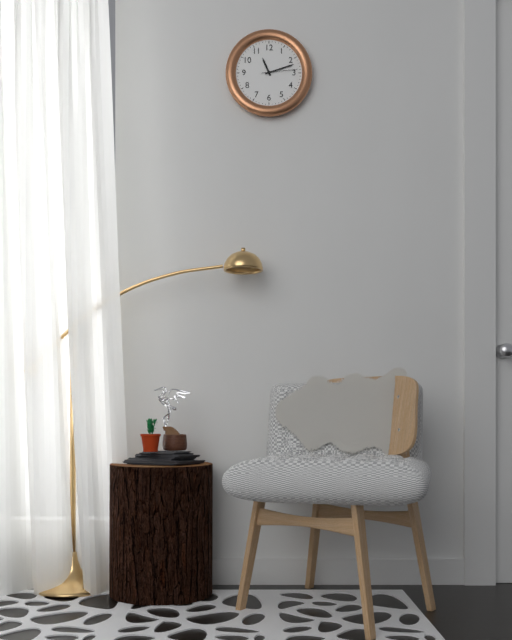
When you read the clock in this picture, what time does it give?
11:12
